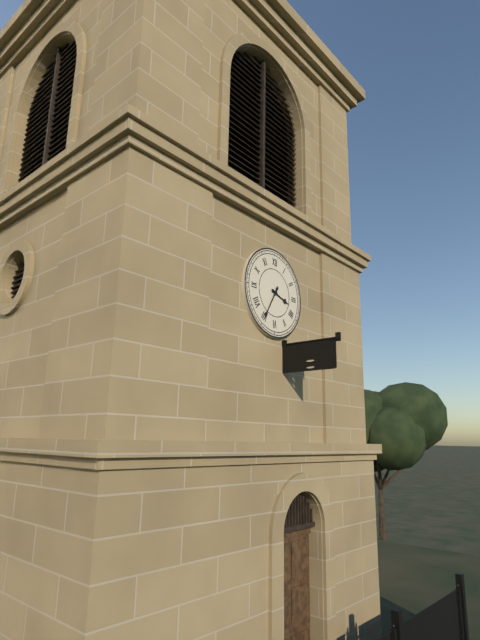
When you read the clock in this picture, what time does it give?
3:35
